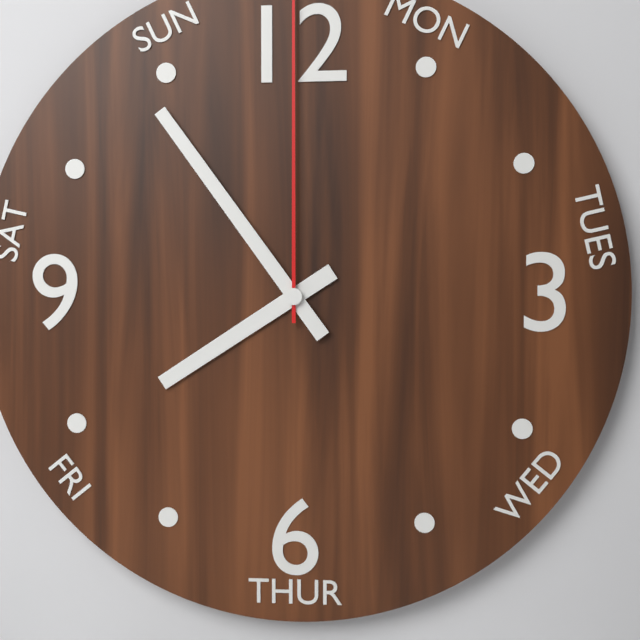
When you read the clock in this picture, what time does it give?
7:54
